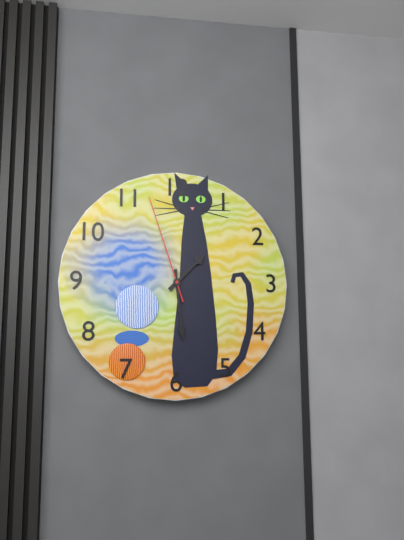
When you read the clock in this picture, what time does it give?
1:29:57
